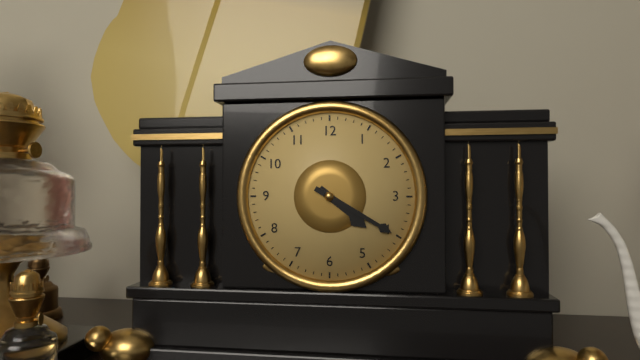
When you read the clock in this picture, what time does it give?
4:20
